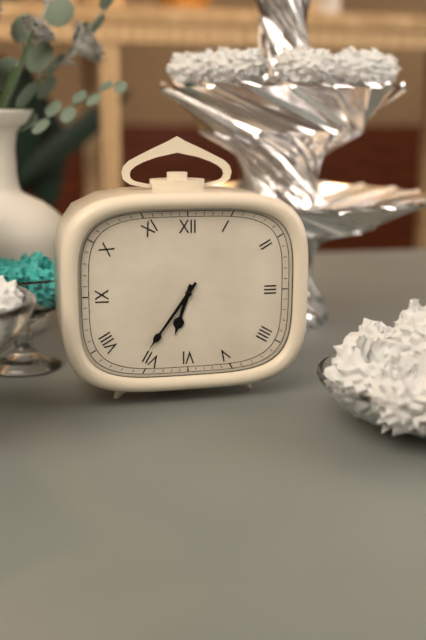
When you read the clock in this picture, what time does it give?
6:36
